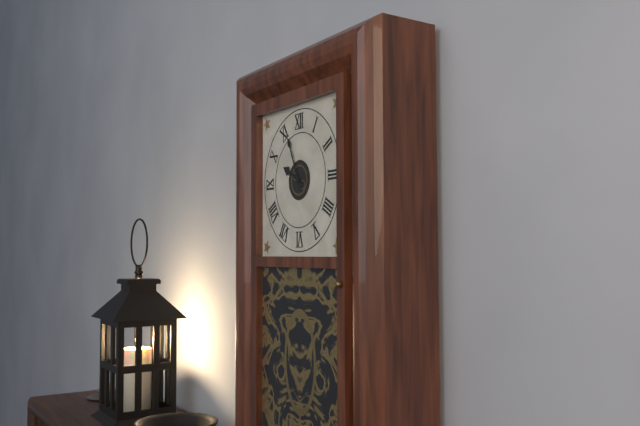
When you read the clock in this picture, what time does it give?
9:56
